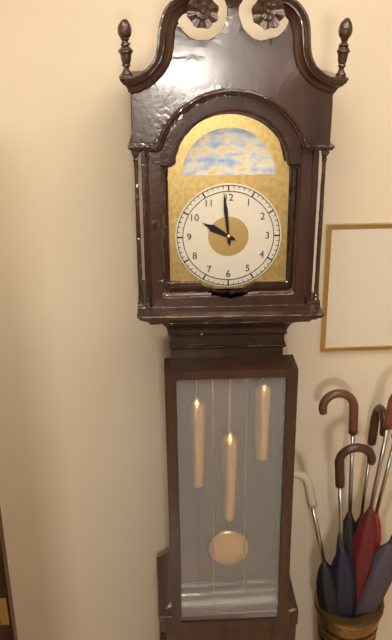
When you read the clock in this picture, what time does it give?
9:59
